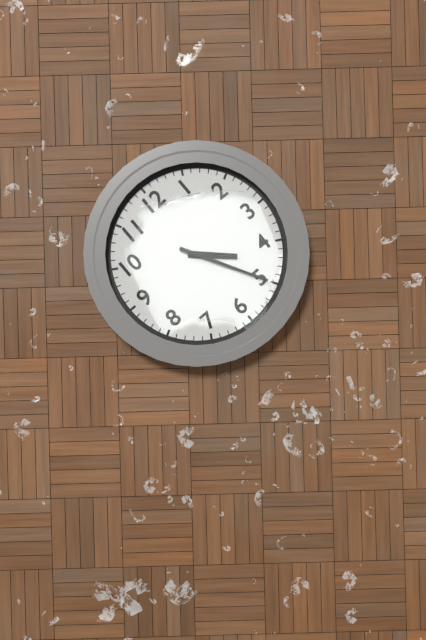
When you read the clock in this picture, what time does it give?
4:25
